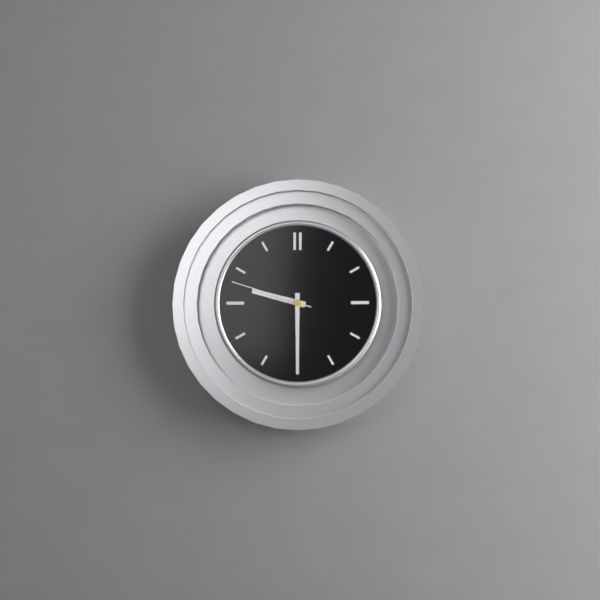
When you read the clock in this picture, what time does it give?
9:30:48
